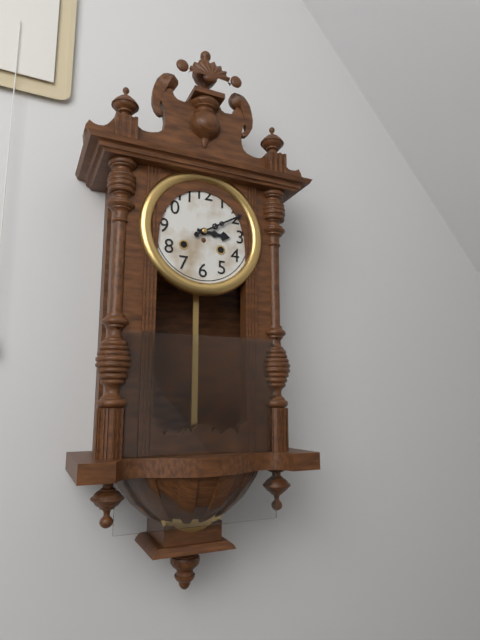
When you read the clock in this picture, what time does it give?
3:10
